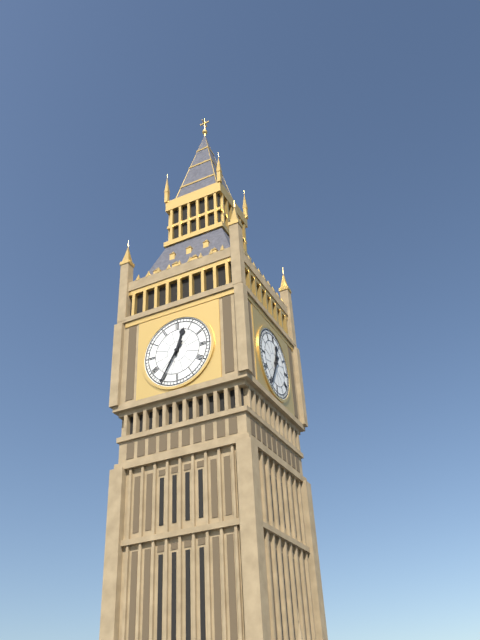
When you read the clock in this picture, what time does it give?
12:35
